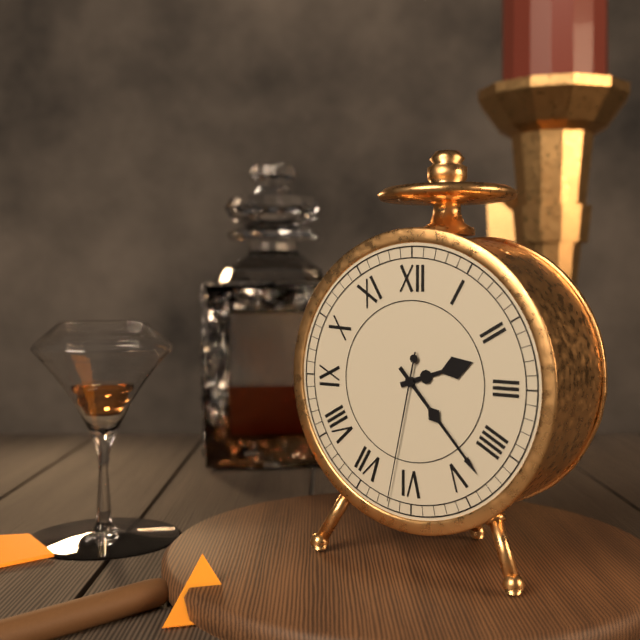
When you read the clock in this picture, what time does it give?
2:23:32
